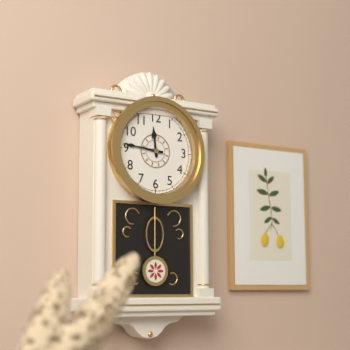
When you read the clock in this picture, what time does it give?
11:46
